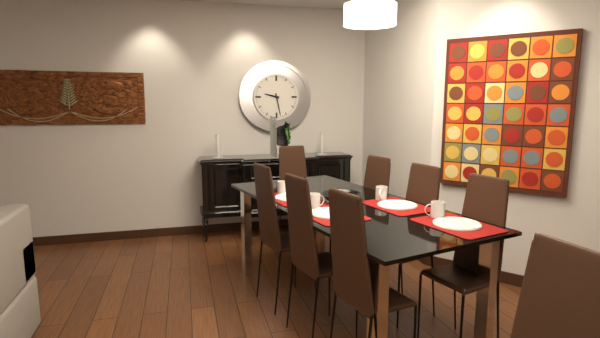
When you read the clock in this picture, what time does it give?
9:28
